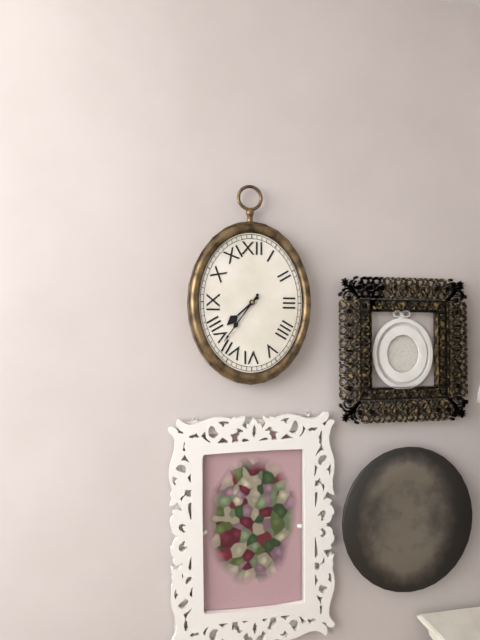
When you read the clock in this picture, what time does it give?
7:36
